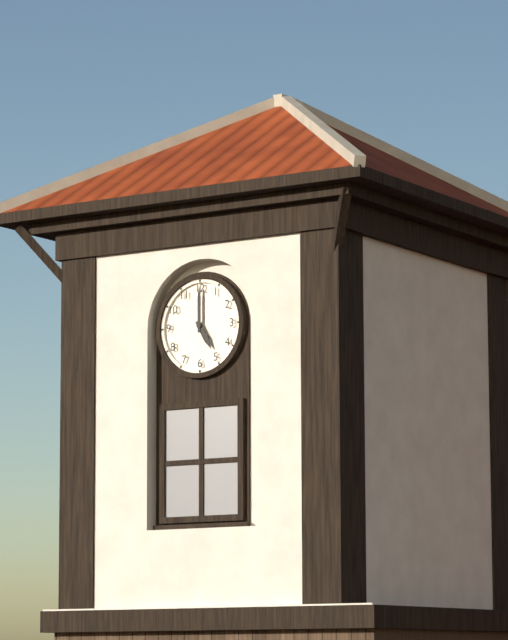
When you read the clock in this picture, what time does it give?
5:00
